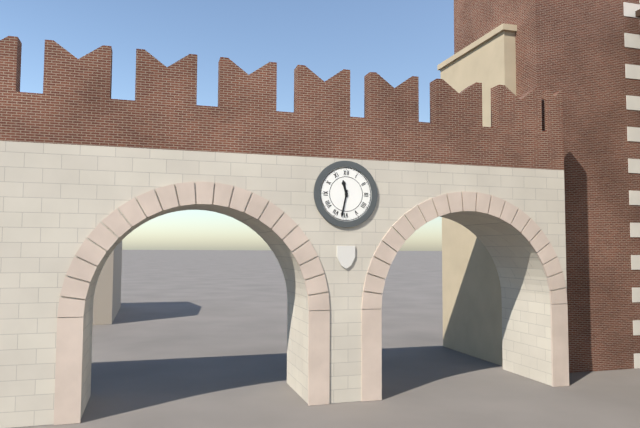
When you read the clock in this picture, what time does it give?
11:32
